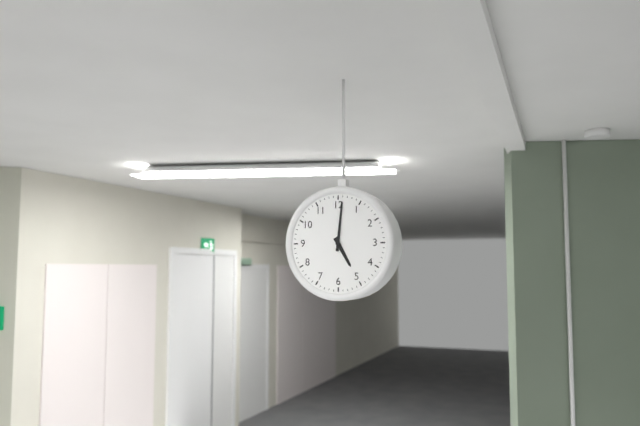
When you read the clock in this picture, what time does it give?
5:01
